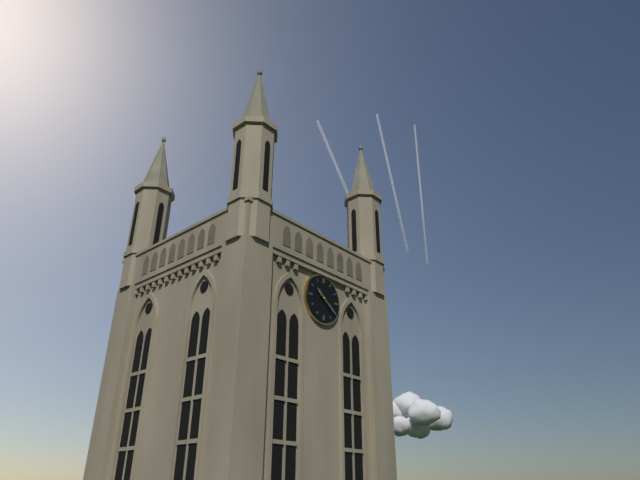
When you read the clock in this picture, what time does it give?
10:21
